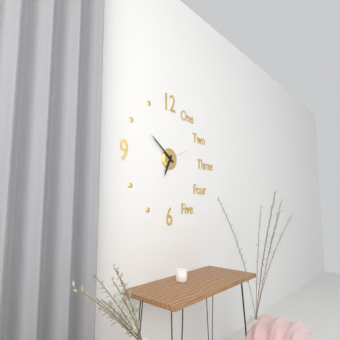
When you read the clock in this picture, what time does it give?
6:51
